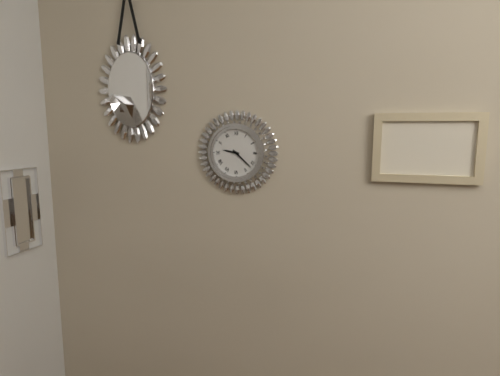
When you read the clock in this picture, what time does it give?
9:22
